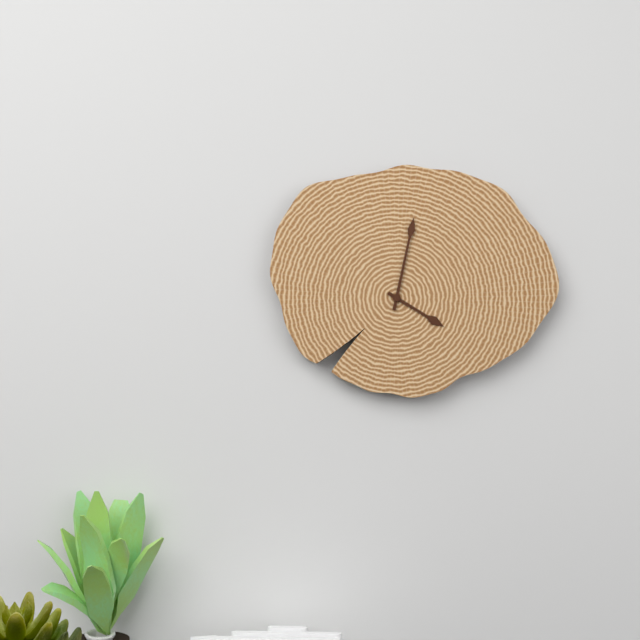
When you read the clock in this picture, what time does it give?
4:02
